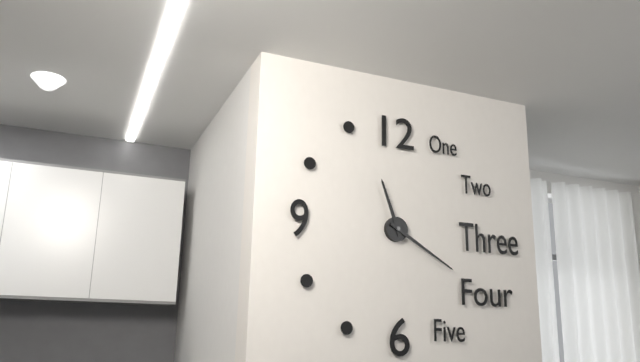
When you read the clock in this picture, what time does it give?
11:20
